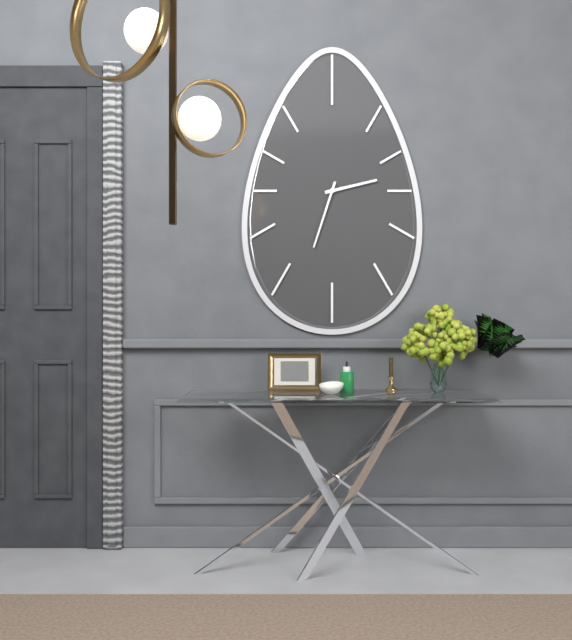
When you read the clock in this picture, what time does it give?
2:33
